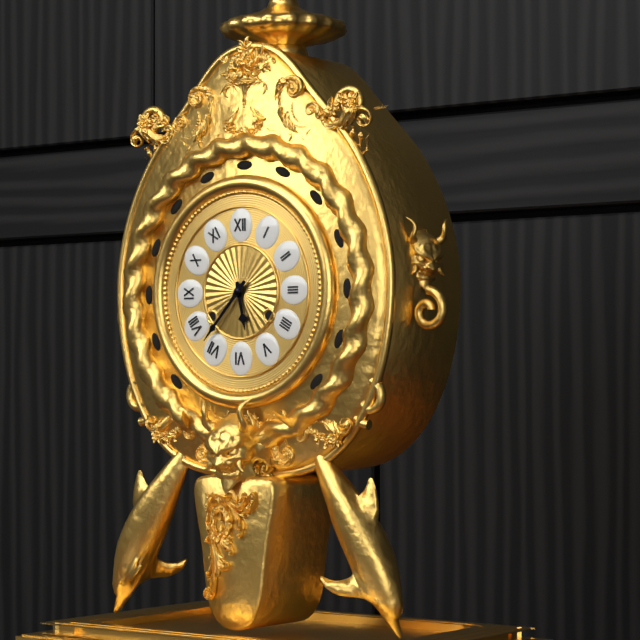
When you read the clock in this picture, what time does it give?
5:37
